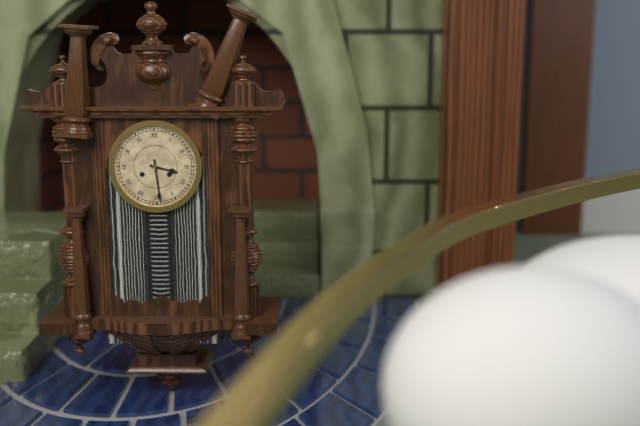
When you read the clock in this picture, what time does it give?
3:29
